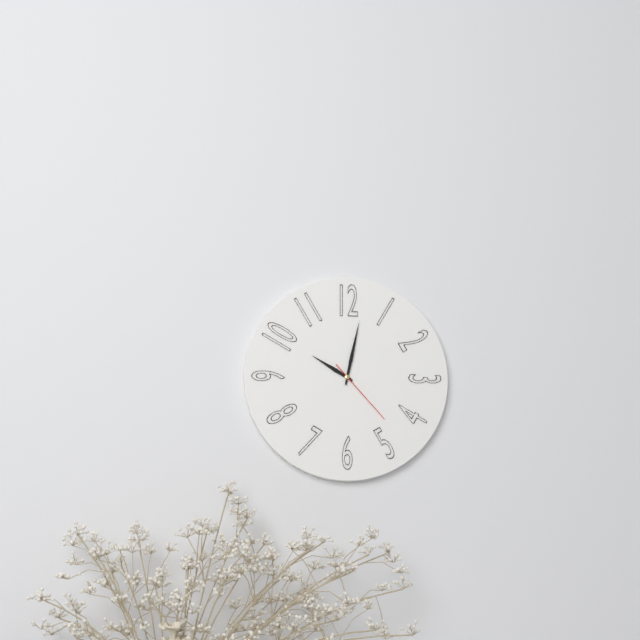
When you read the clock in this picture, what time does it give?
10:02:23
